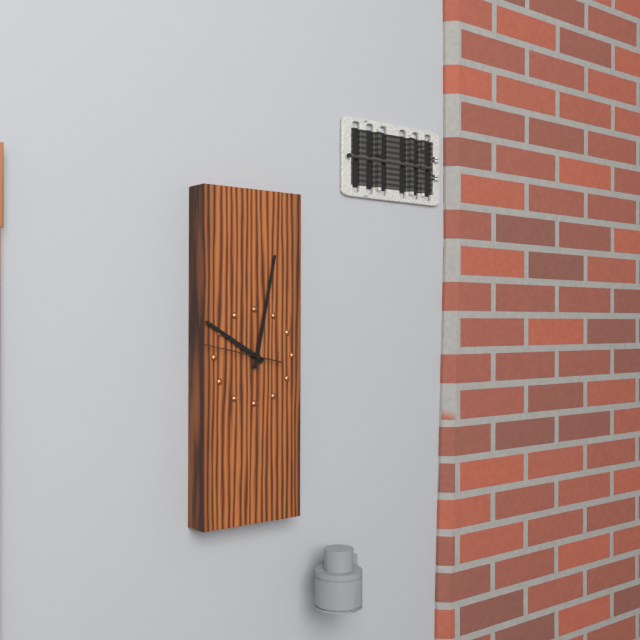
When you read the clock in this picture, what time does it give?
10:02:47
